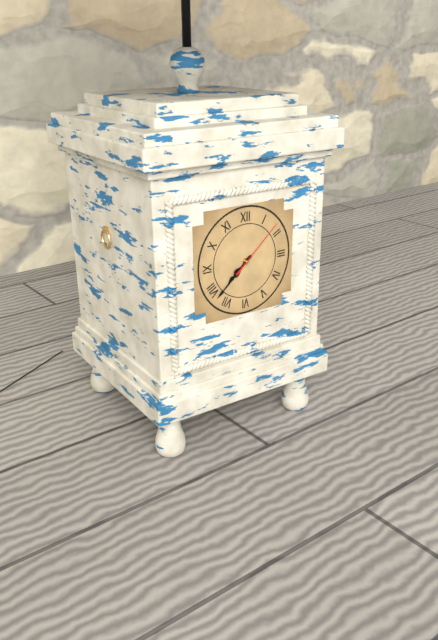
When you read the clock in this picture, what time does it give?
7:38:08
